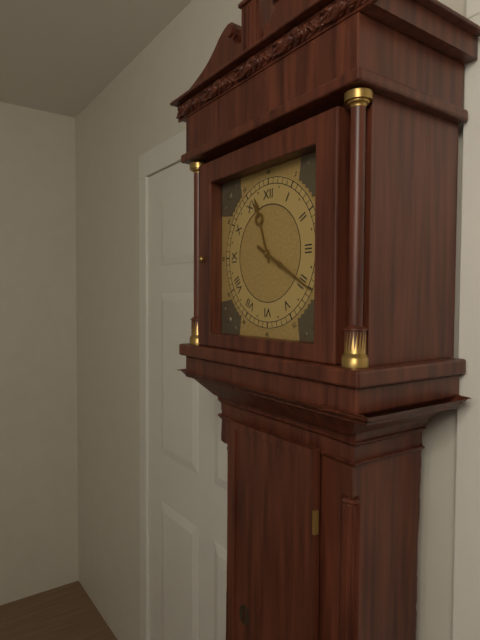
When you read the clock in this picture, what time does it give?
11:20
